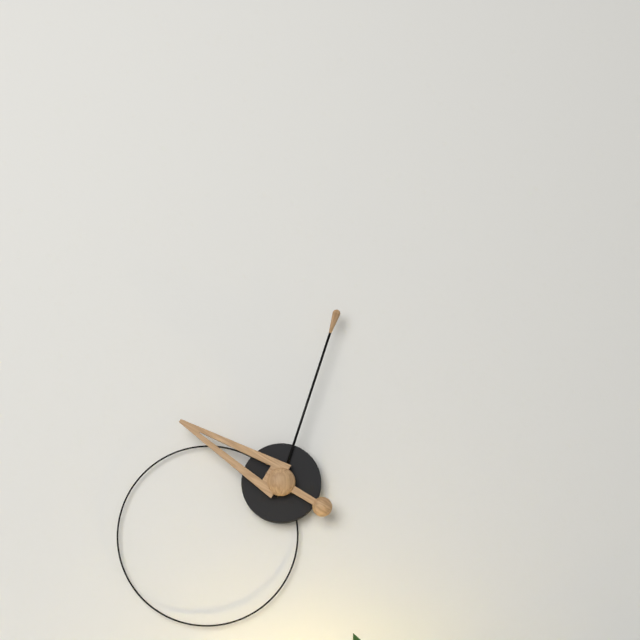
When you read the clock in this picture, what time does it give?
10:03
